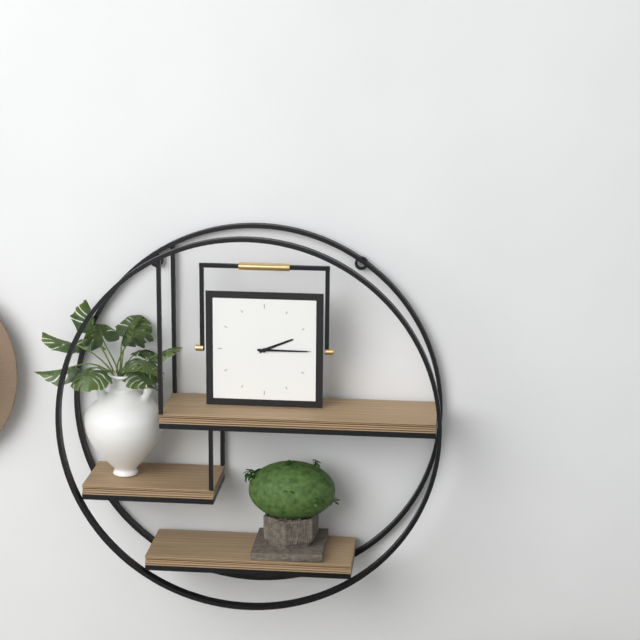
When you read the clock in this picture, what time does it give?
2:15
